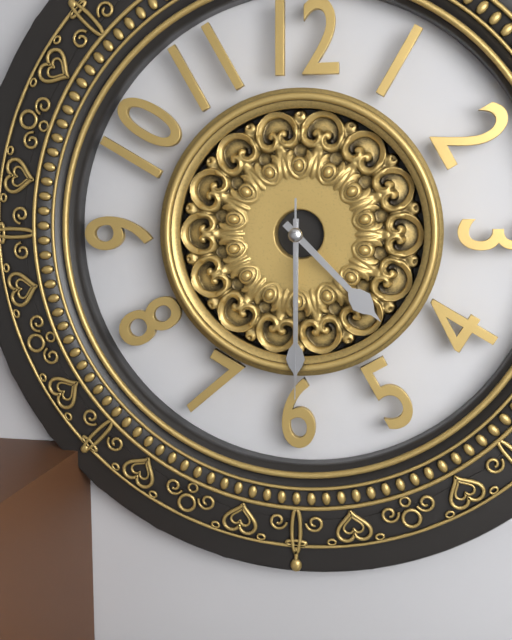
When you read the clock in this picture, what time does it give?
4:30:30
